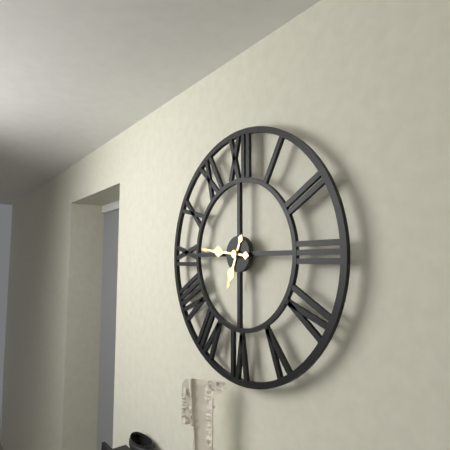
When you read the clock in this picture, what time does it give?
6:46
